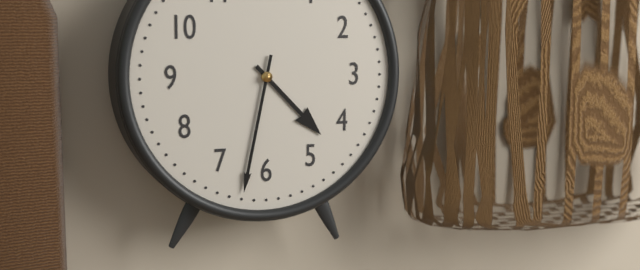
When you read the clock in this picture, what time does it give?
4:32
